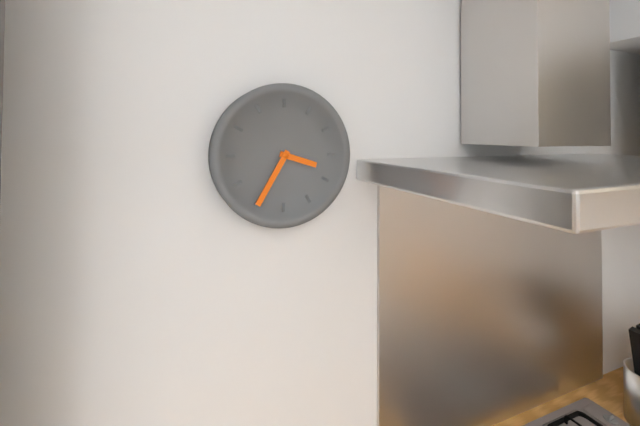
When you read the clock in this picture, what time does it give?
3:35
